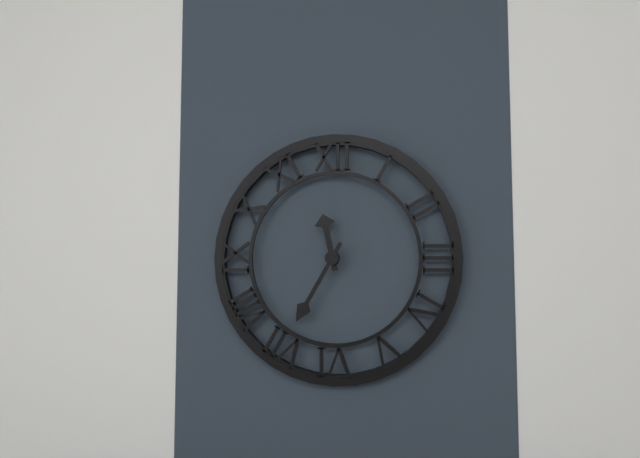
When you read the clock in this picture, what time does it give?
11:35
